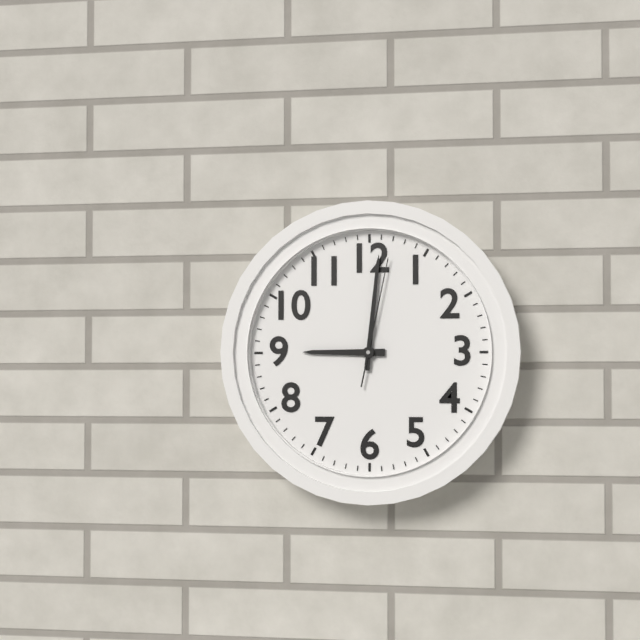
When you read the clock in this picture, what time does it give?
9:01:02
